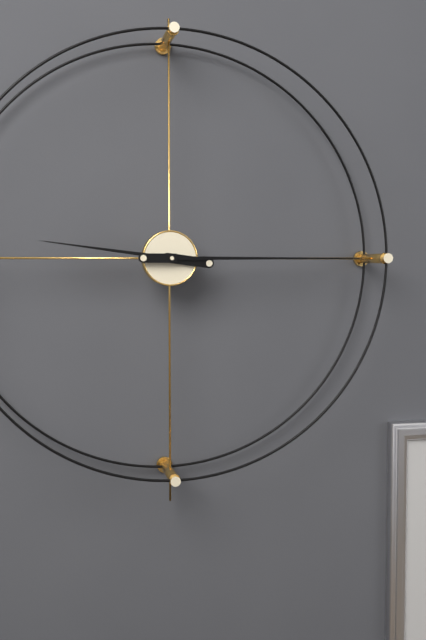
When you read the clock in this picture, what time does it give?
9:15
